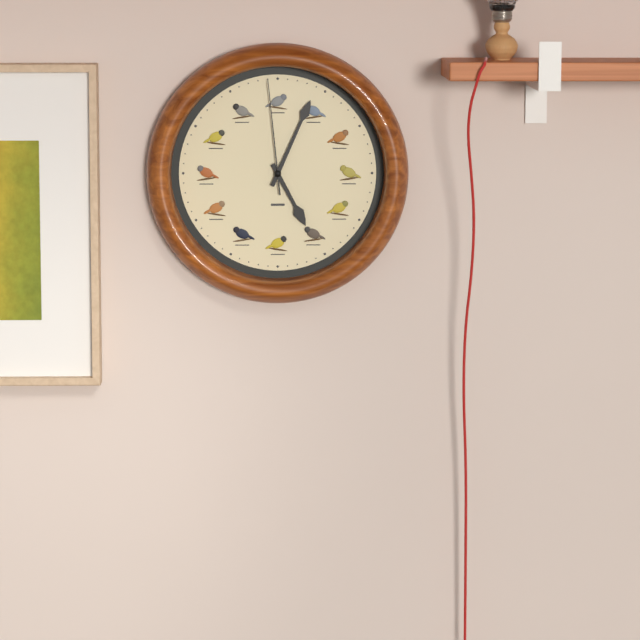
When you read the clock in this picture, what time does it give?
5:04:59
